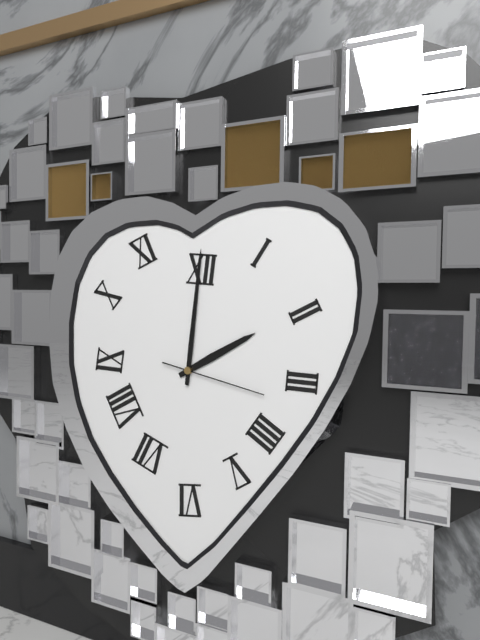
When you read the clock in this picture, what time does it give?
2:01:17
